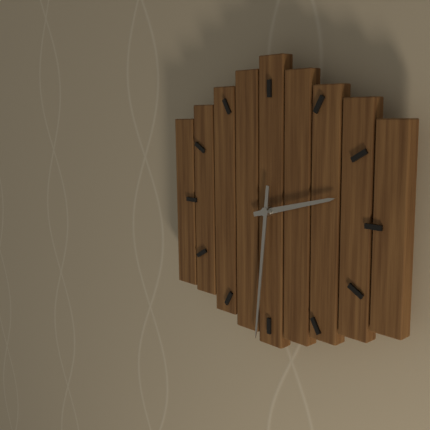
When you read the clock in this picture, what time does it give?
2:31
